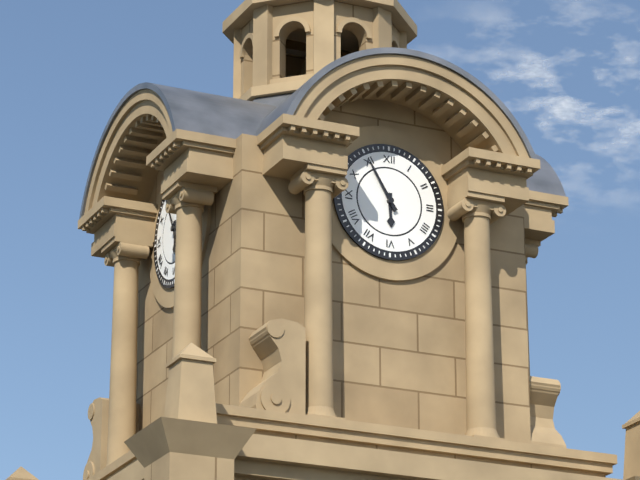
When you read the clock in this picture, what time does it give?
5:55
